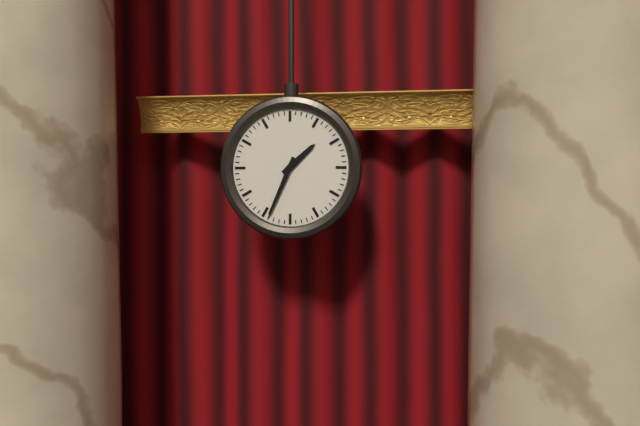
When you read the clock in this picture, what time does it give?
1:34
